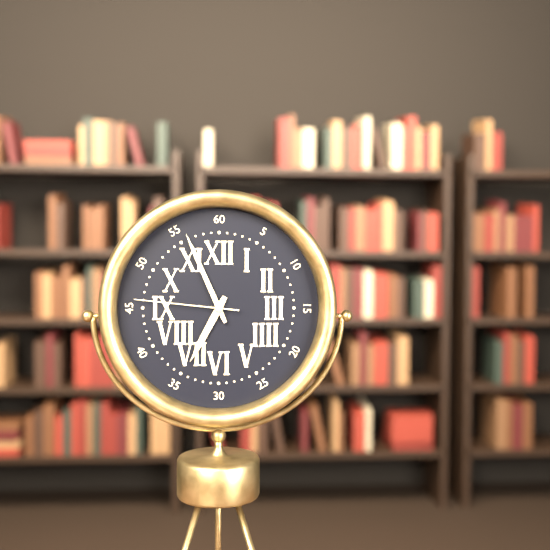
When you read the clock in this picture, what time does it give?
6:56:46
